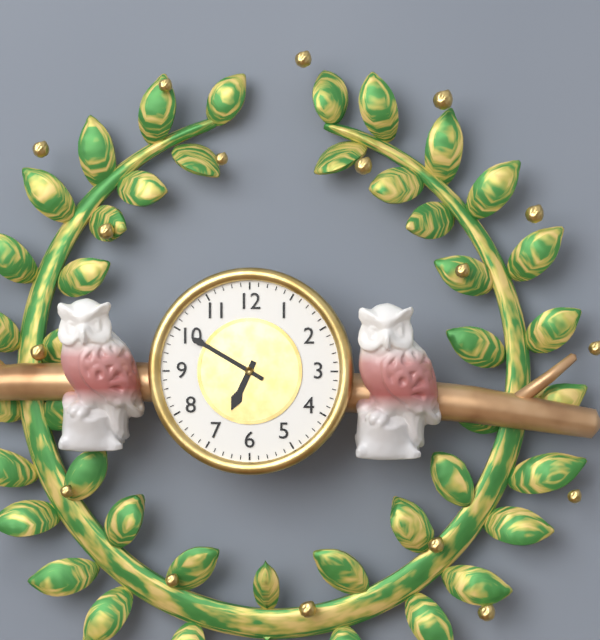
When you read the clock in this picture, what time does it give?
6:50
